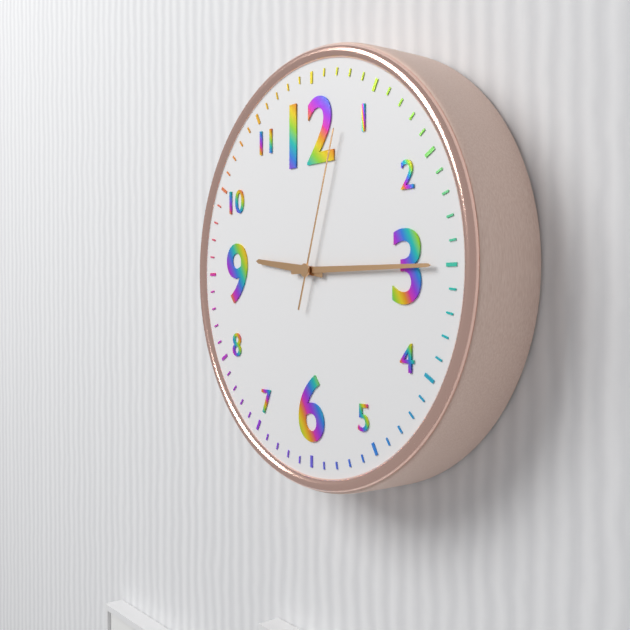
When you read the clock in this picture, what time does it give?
9:15:03
